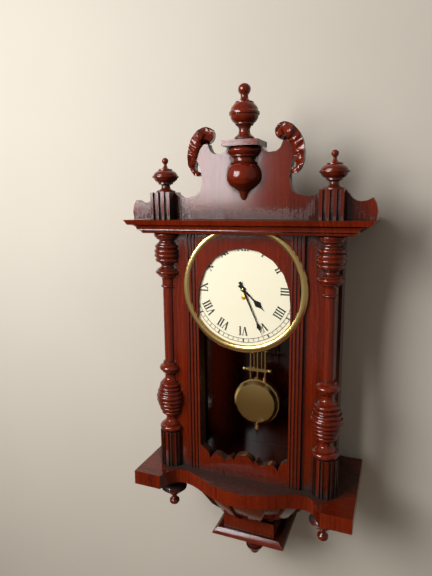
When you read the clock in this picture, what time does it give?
4:26
